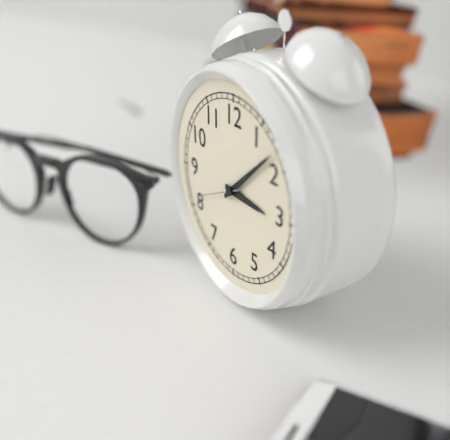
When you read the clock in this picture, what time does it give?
3:08
